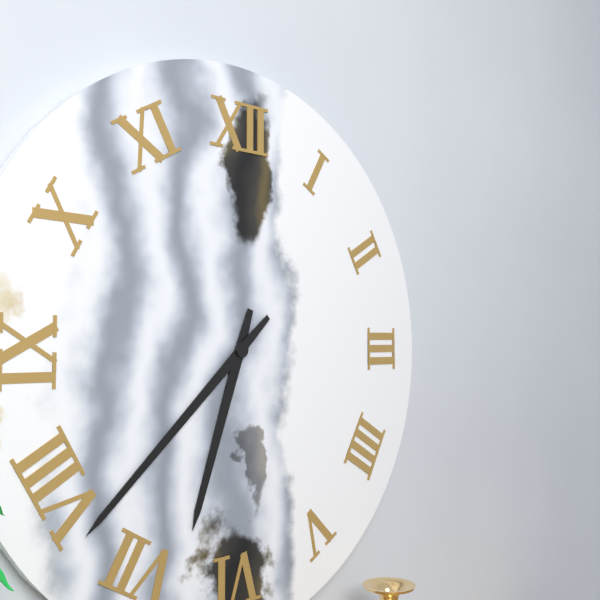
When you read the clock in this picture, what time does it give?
6:38
